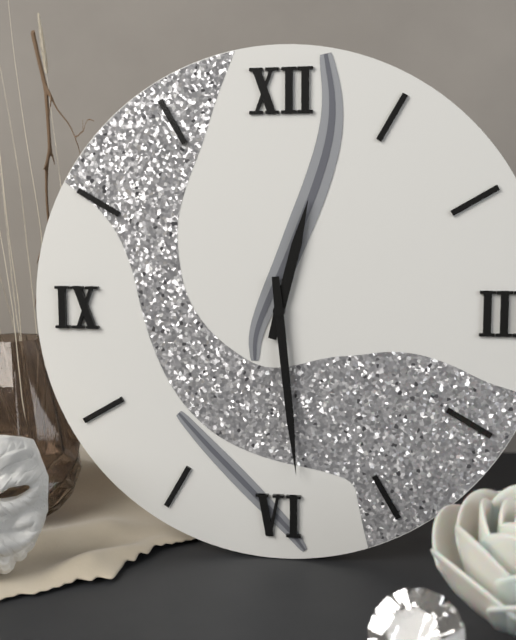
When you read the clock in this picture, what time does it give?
12:29
